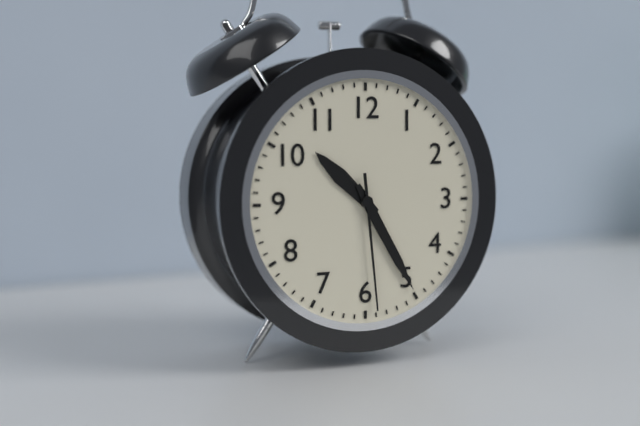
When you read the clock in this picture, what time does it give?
10:25:29
